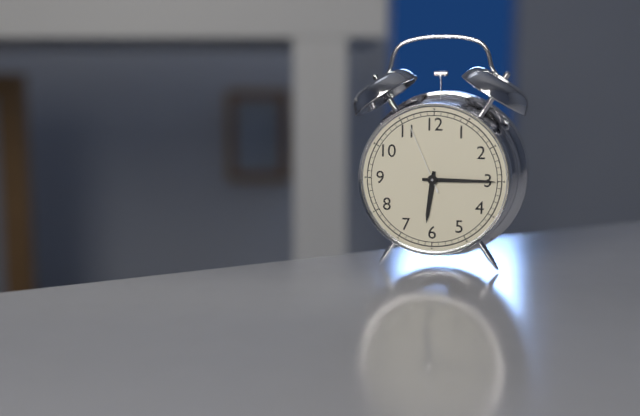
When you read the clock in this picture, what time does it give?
6:15:56
